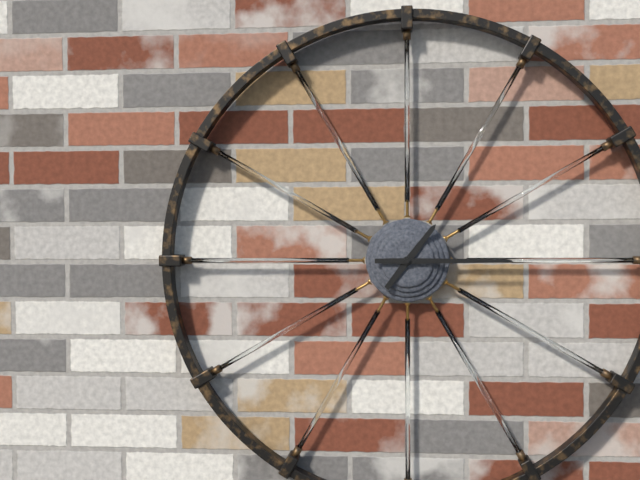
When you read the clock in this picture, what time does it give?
1:15
